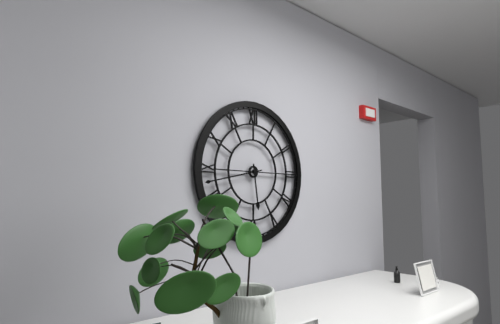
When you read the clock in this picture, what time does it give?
5:43
